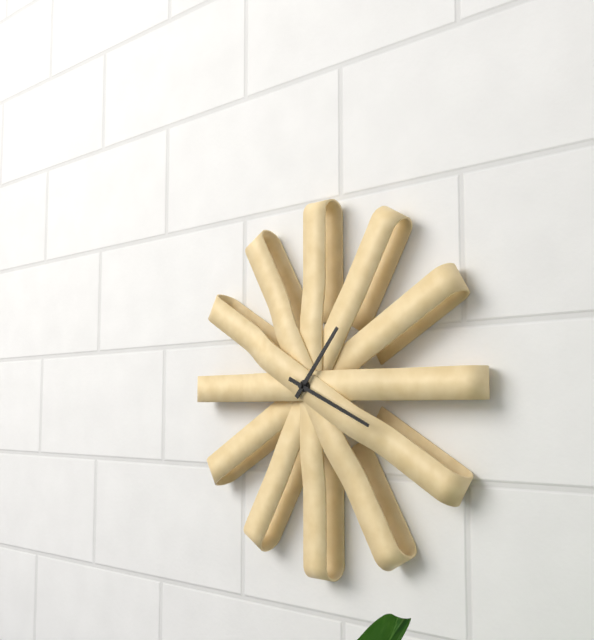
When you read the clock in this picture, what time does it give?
1:19
